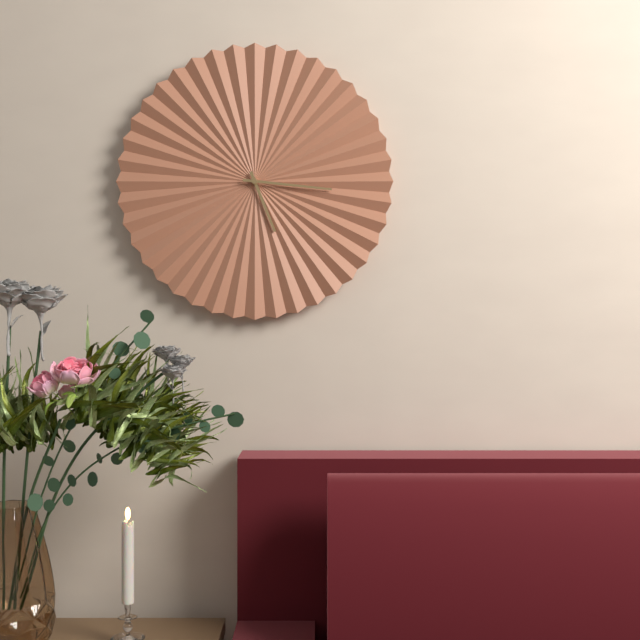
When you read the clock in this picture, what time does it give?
5:16
